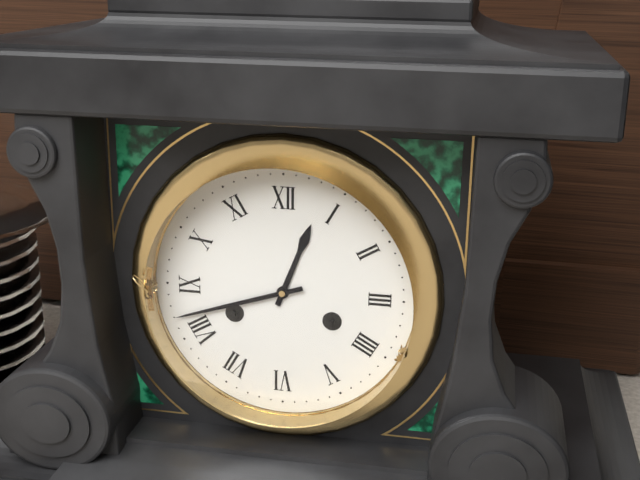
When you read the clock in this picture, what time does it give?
12:42
